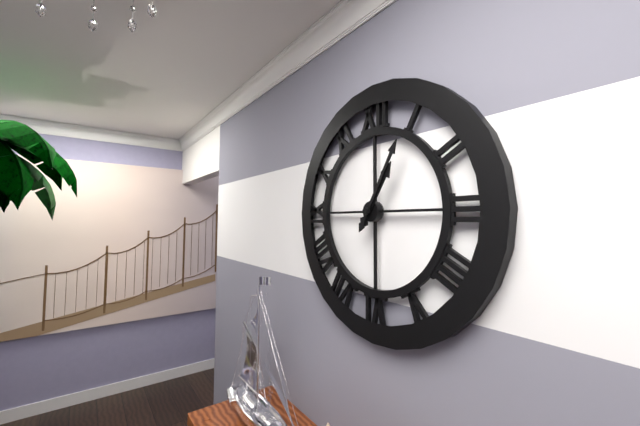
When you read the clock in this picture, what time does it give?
1:05
